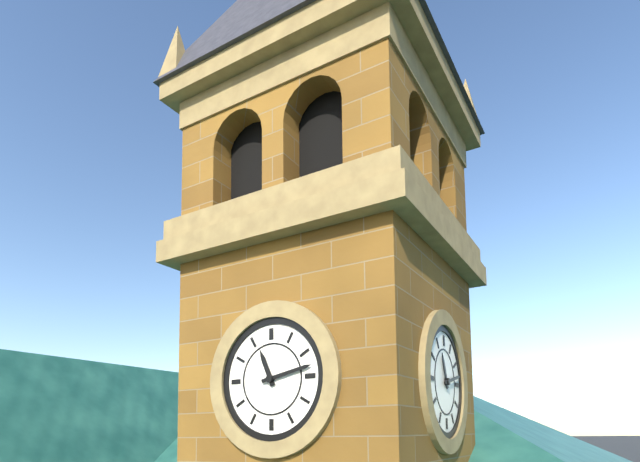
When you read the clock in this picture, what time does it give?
11:13
